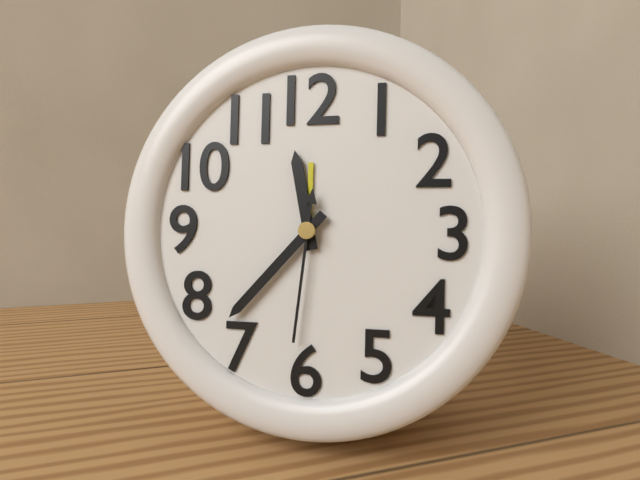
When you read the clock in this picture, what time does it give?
11:37:31
